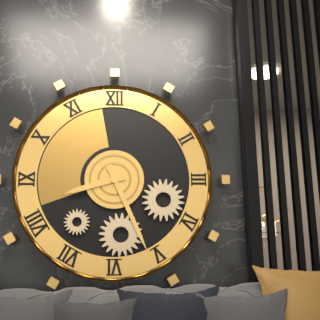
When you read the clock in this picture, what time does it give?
8:26
